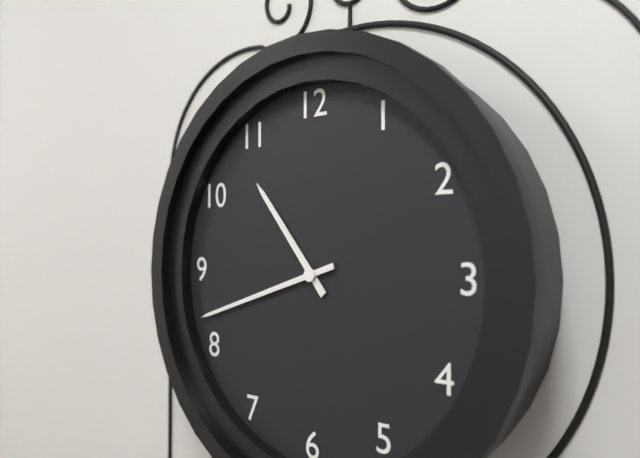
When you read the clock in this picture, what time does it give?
10:42
